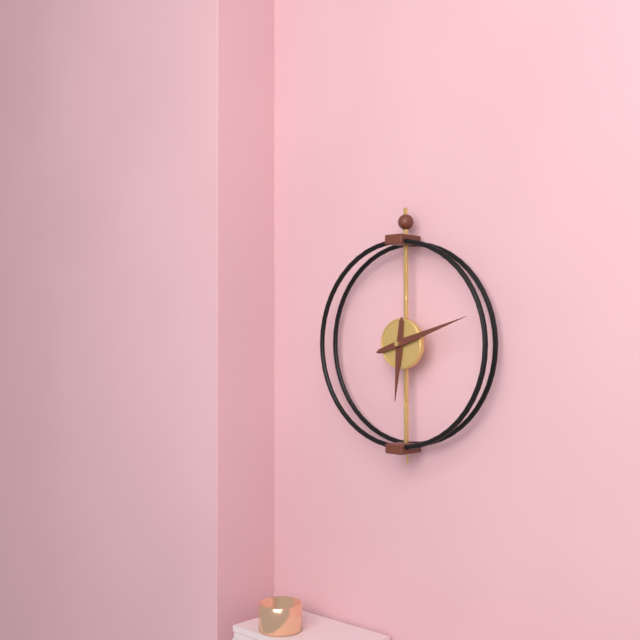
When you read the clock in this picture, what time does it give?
6:12
